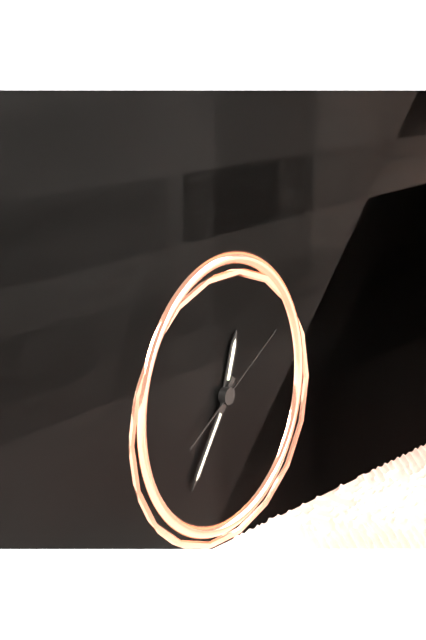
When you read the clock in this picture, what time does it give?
12:36:10
